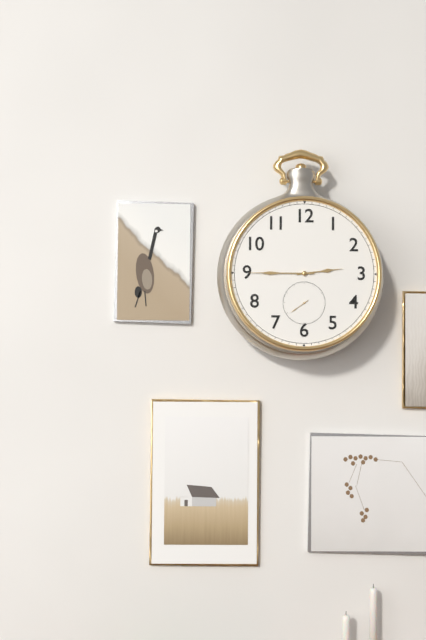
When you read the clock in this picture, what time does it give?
2:45
